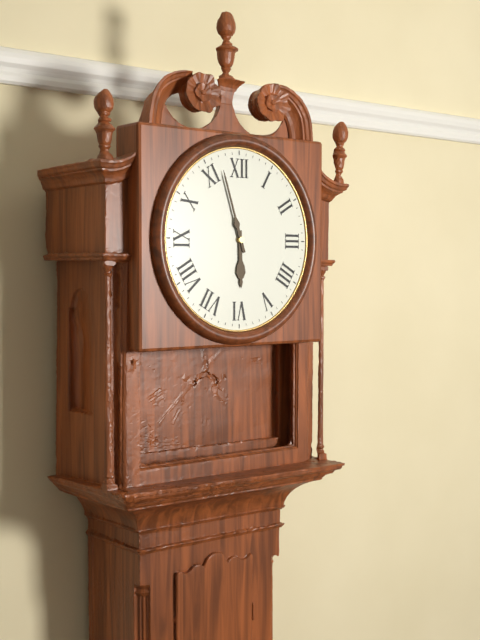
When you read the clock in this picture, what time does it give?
5:57
